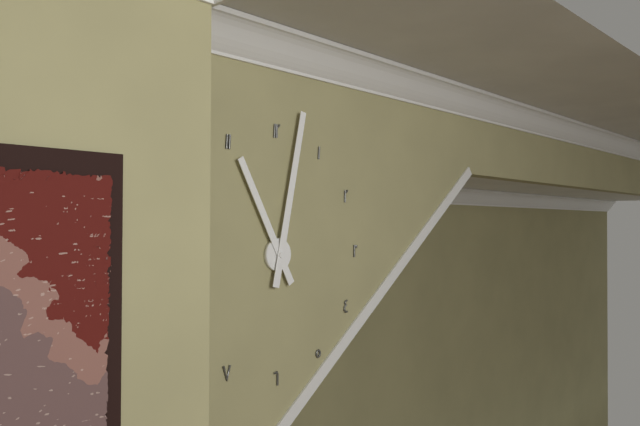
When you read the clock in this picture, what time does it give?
11:02
